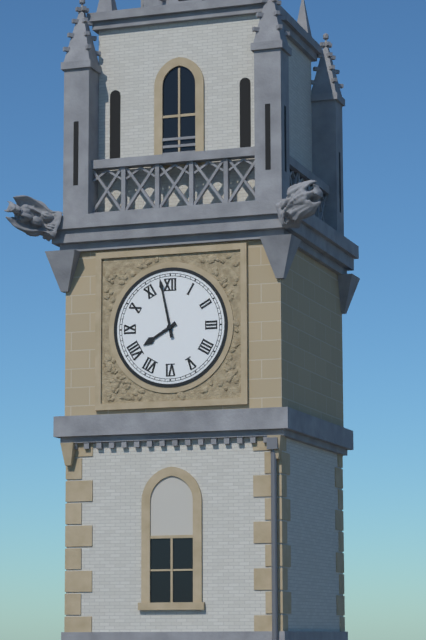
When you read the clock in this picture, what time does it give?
7:58
